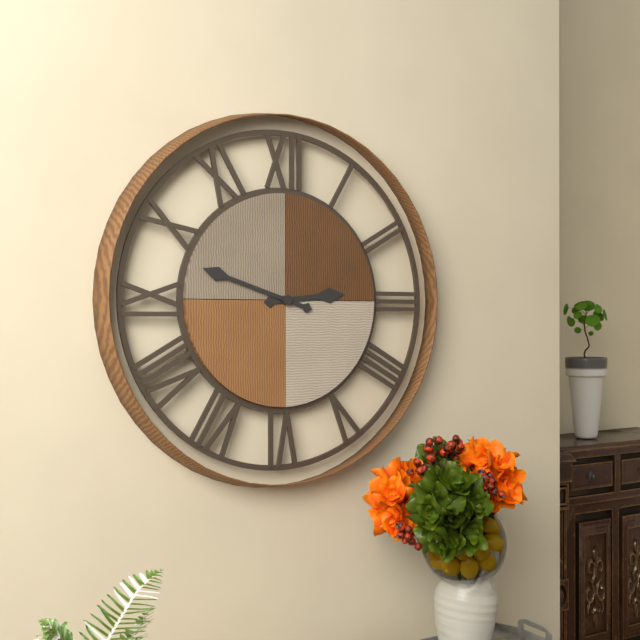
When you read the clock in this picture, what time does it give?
2:48
